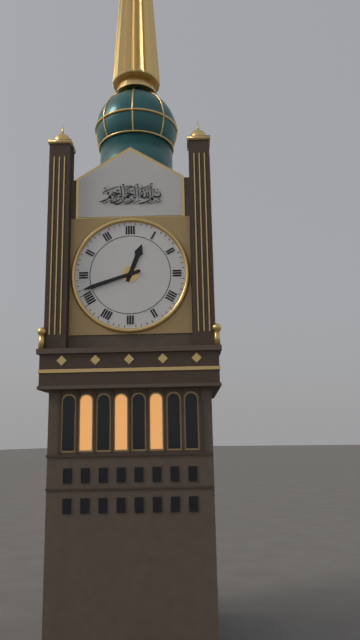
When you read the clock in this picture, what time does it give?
12:42
